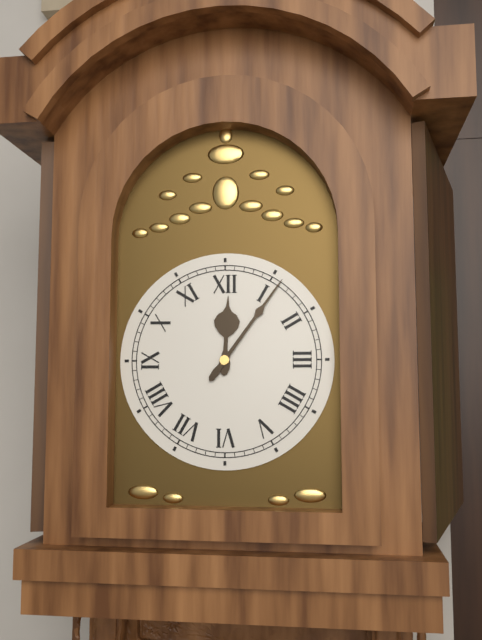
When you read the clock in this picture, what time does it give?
12:06
